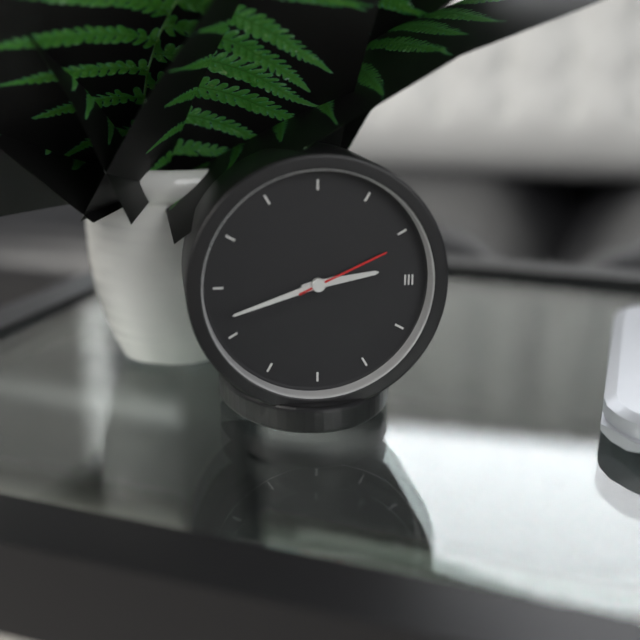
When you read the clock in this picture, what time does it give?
2:42:11
